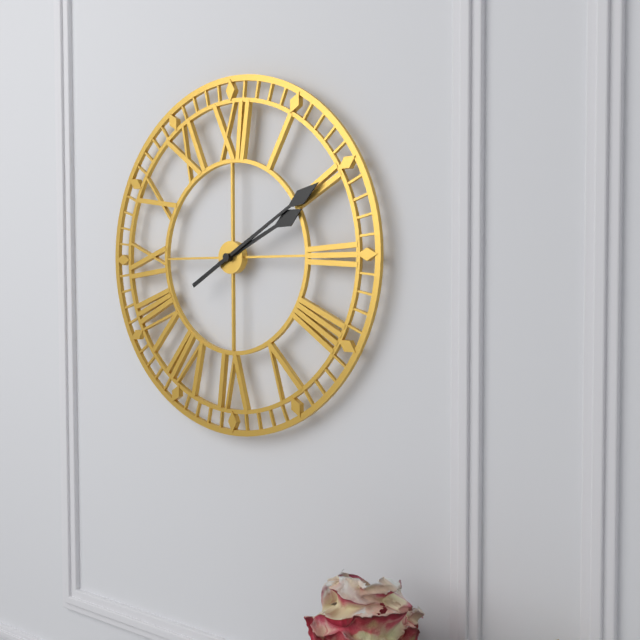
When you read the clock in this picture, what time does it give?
2:10
